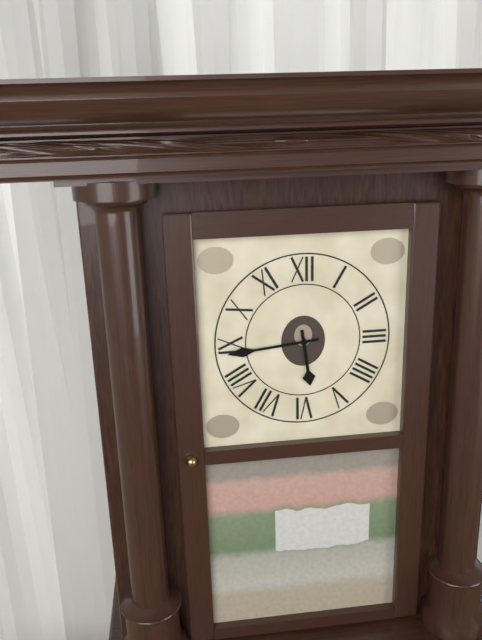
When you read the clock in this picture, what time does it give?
5:44
